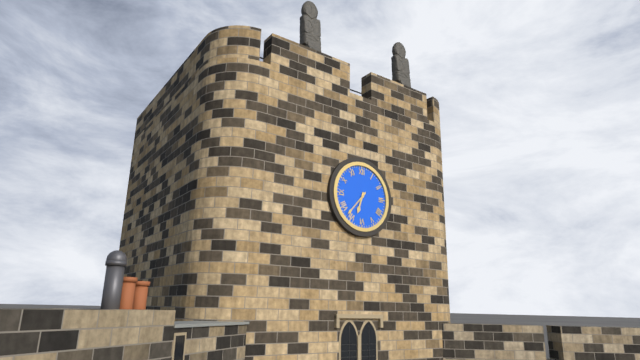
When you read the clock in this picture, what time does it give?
6:37
